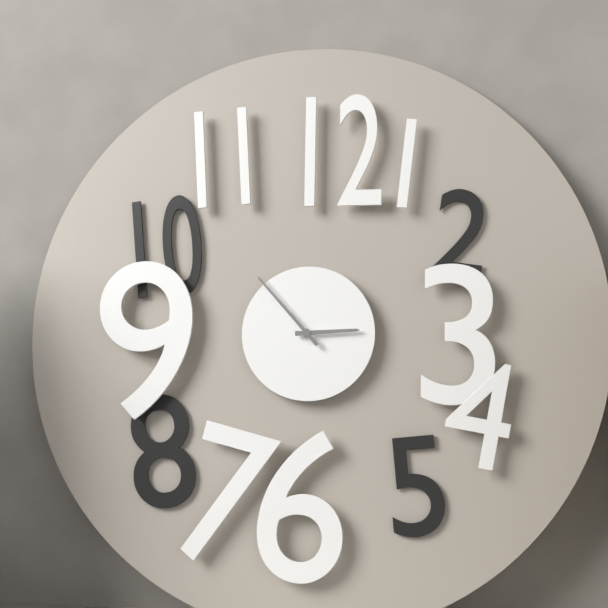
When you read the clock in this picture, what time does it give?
2:53
